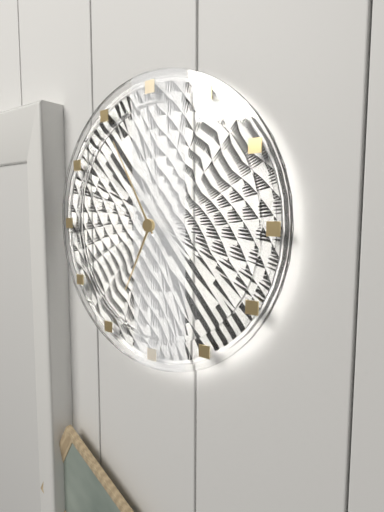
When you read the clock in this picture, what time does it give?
6:55
